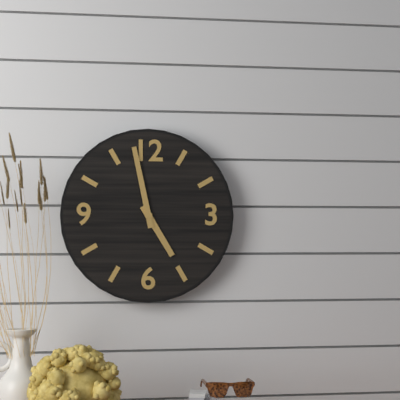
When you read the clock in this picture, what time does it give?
4:58
